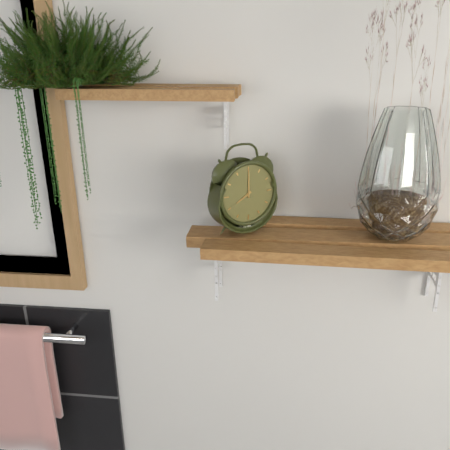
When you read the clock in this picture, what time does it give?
8:00
